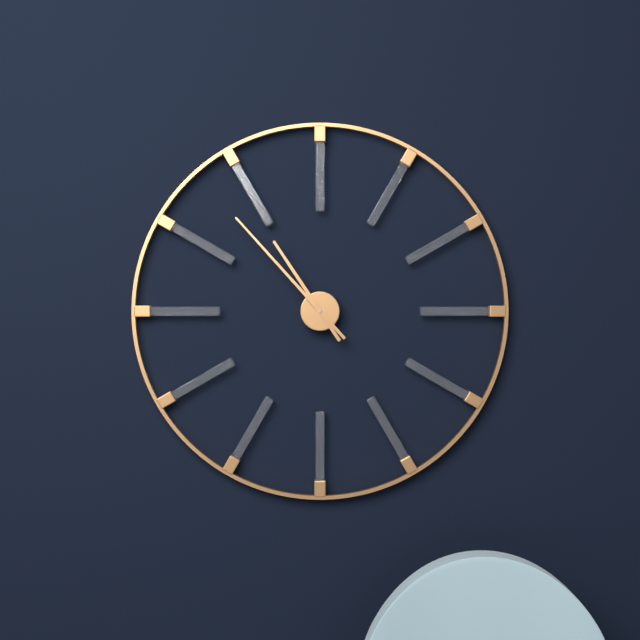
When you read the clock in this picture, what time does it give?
10:53
